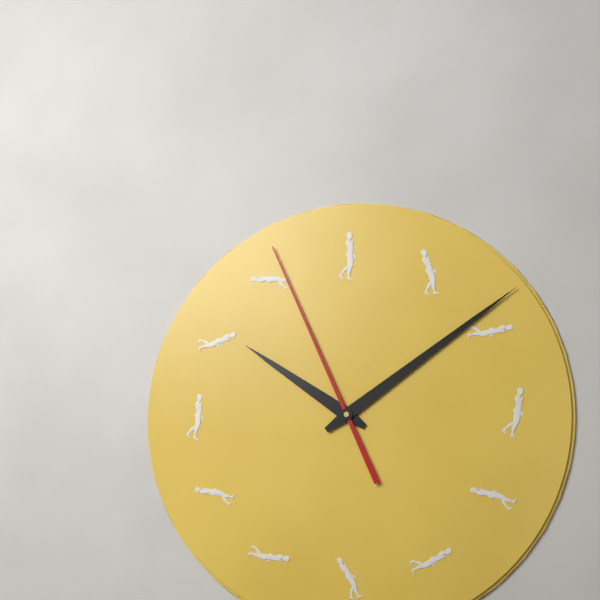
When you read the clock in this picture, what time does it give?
10:09:56
